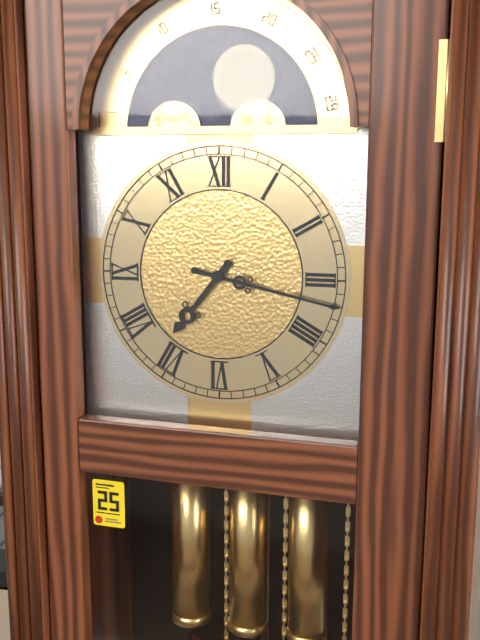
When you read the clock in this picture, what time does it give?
7:17
